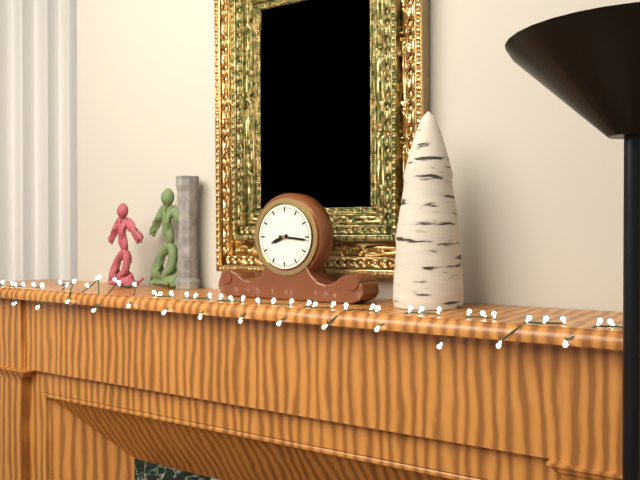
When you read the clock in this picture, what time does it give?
8:16
